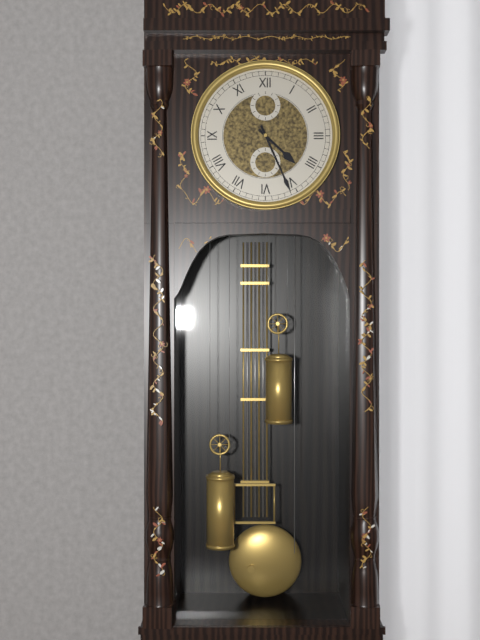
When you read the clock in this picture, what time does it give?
4:26
